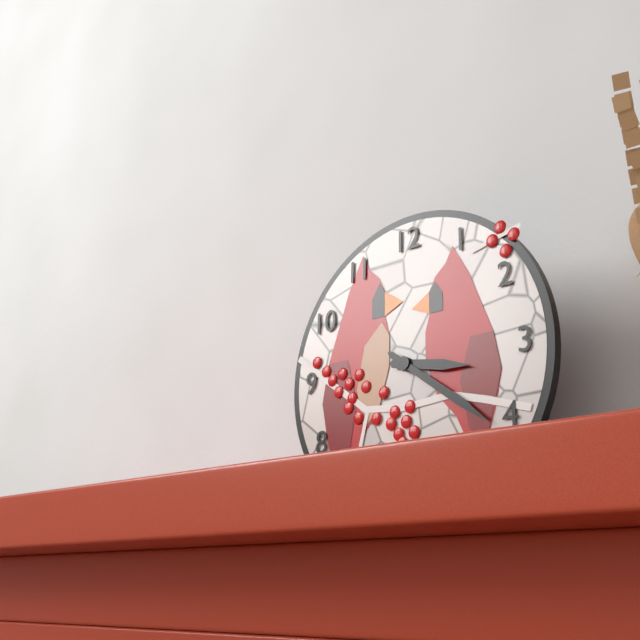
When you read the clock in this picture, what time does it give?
3:21
